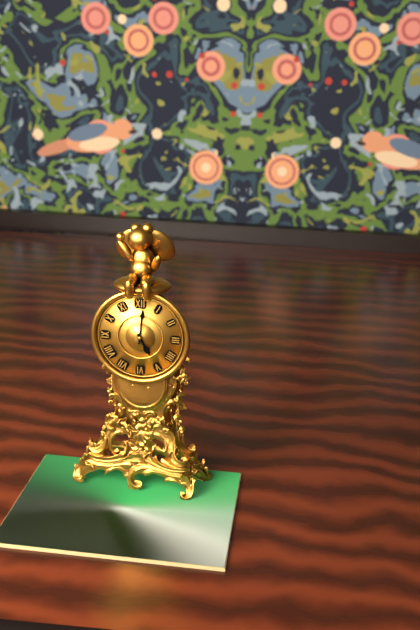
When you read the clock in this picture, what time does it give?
5:01
